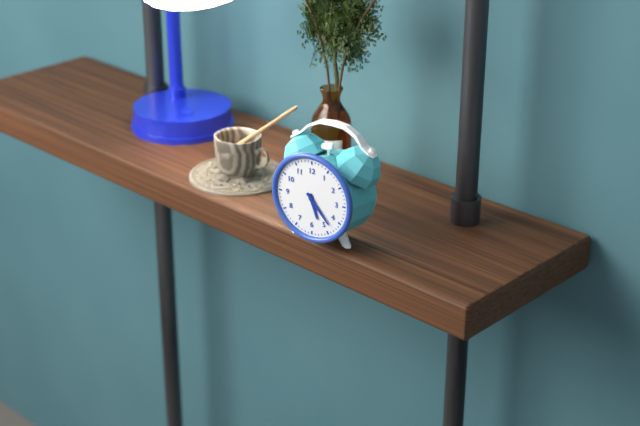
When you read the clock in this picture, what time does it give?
5:23
